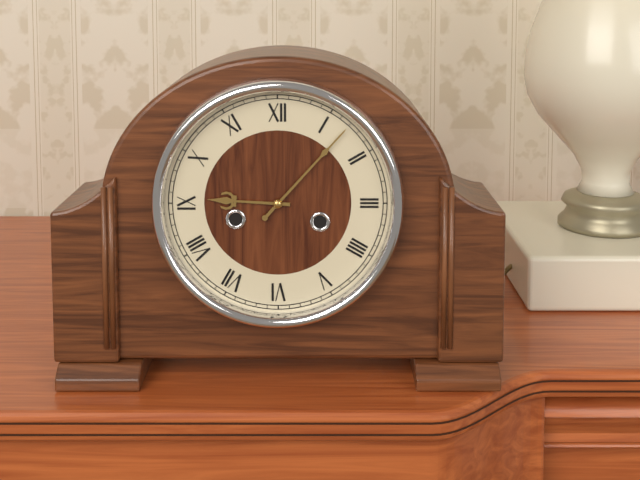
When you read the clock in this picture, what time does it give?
9:07
